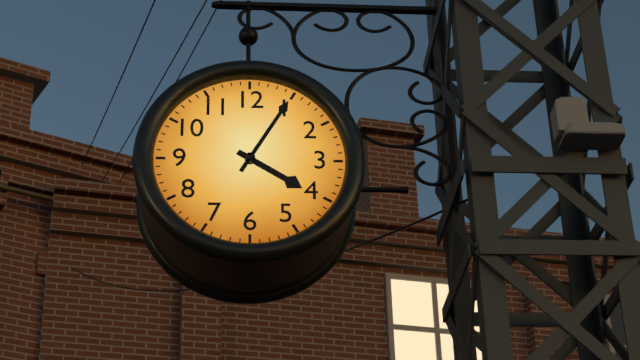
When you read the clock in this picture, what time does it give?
4:05
